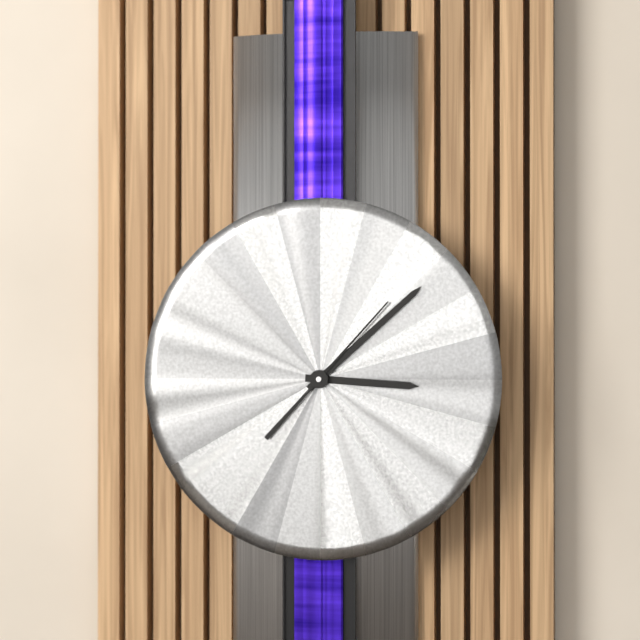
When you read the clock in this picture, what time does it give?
3:08:07
